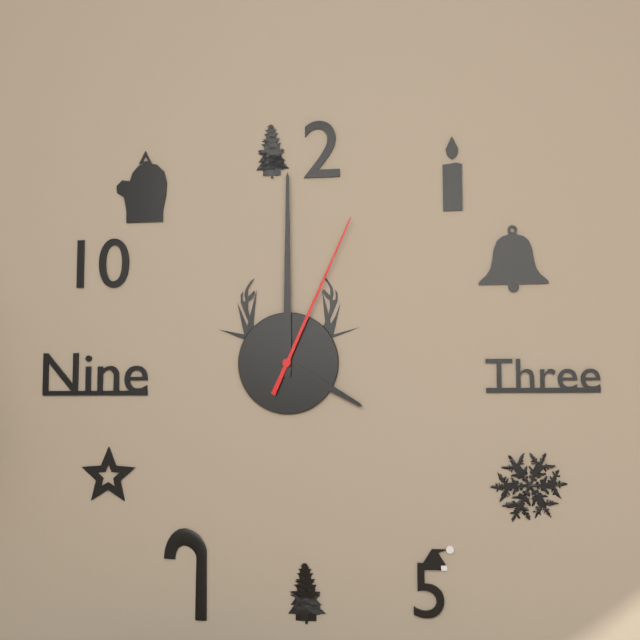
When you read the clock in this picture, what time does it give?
4:00:04
